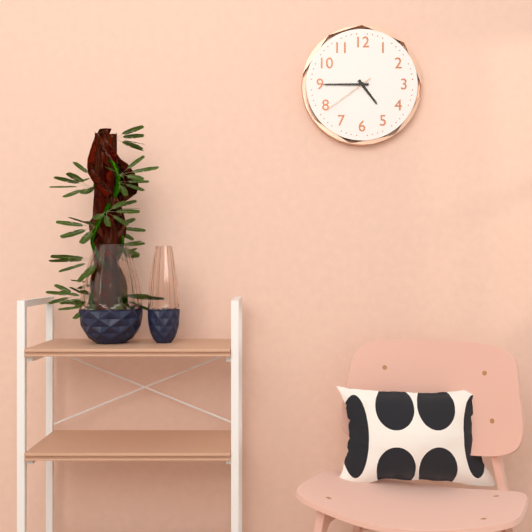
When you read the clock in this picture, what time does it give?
4:45:39
